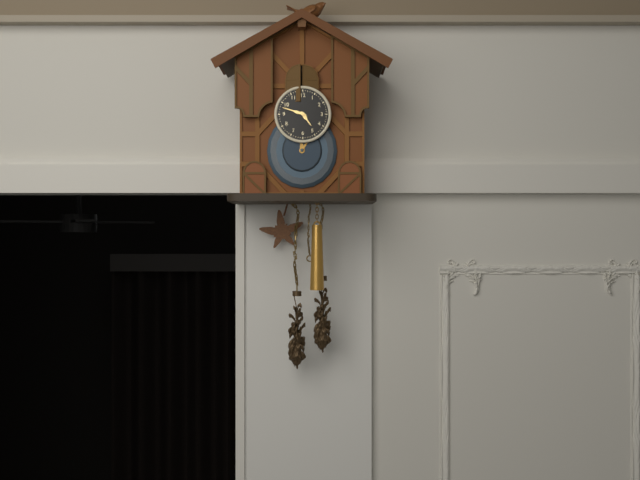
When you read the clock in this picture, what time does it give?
4:48
